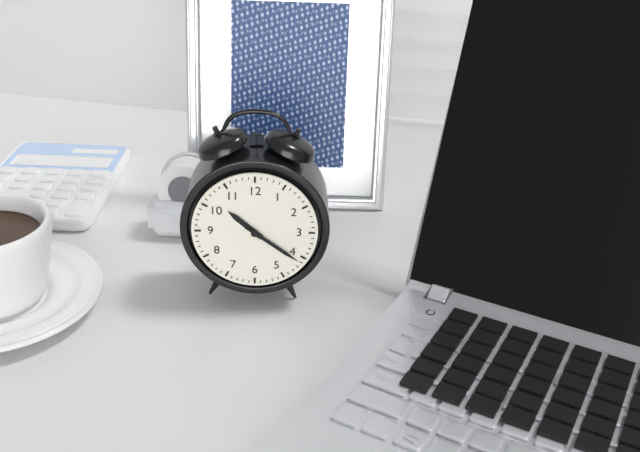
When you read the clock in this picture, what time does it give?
10:21
